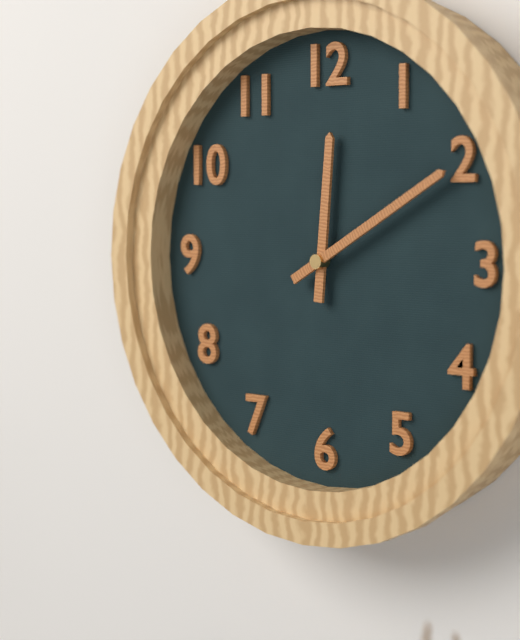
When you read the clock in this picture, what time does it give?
12:10
